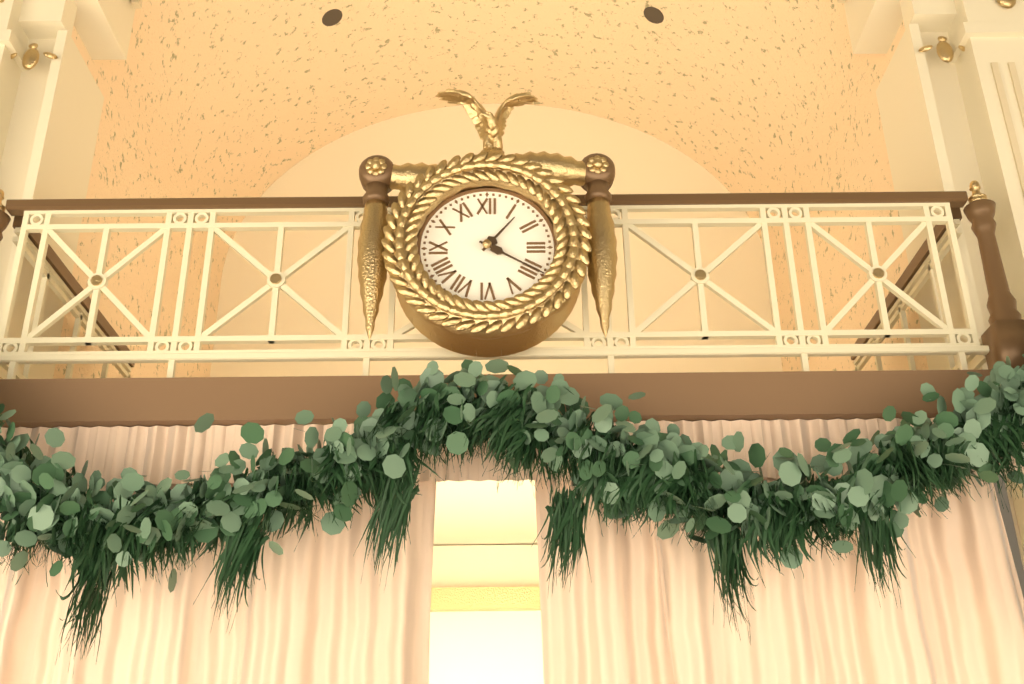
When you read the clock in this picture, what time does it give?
1:20
